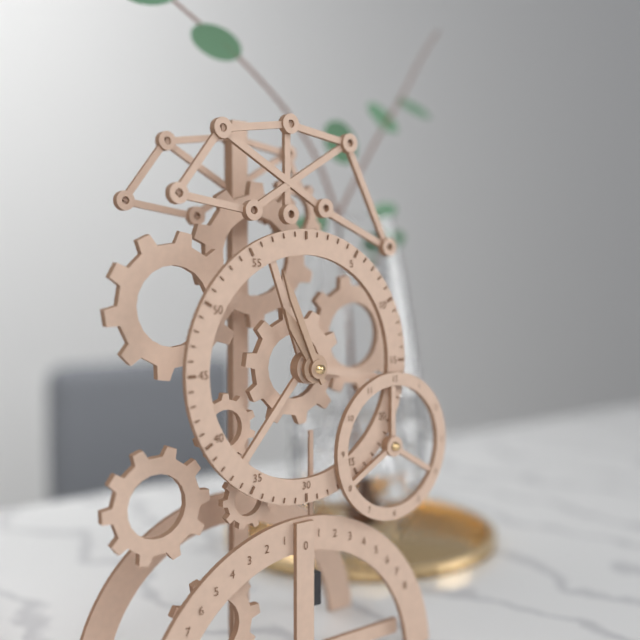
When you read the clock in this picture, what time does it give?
10:56
